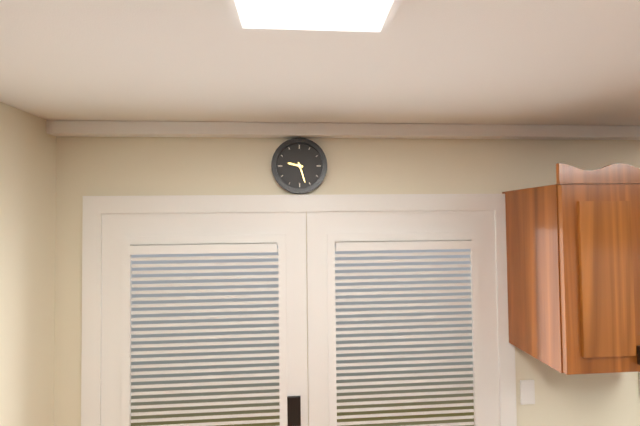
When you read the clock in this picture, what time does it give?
9:27
